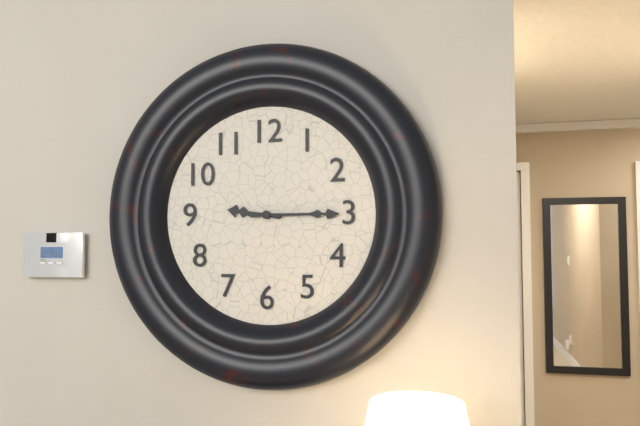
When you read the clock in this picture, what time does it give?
9:15
